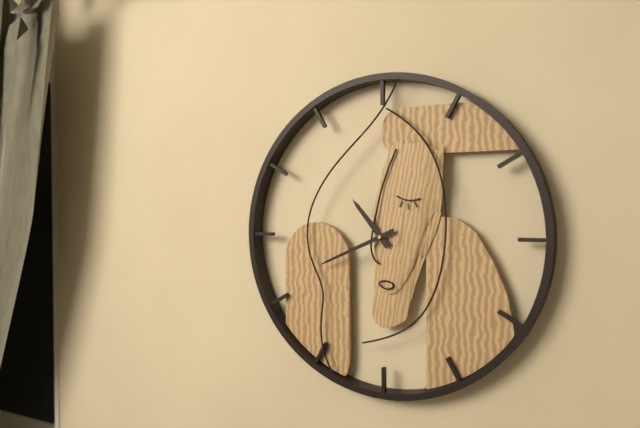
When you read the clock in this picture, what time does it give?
10:41
